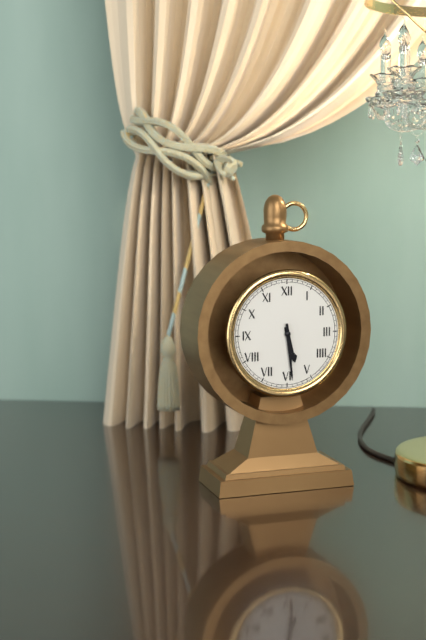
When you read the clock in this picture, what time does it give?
5:29
